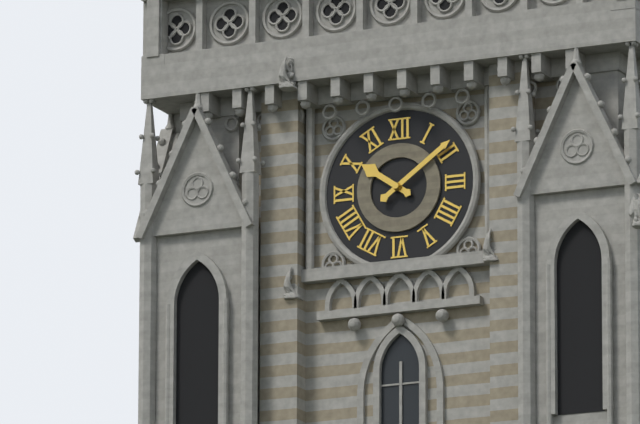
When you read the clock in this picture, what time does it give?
10:09
